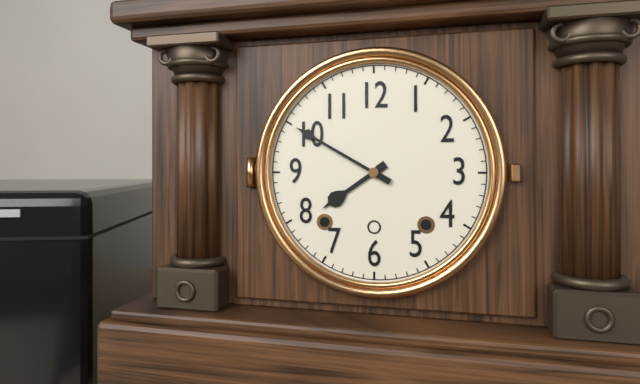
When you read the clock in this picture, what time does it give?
7:50
